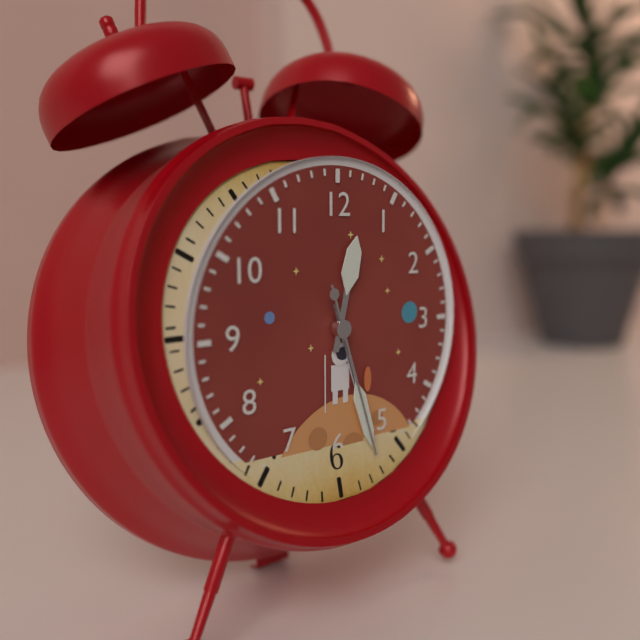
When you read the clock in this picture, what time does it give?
12:27:27
